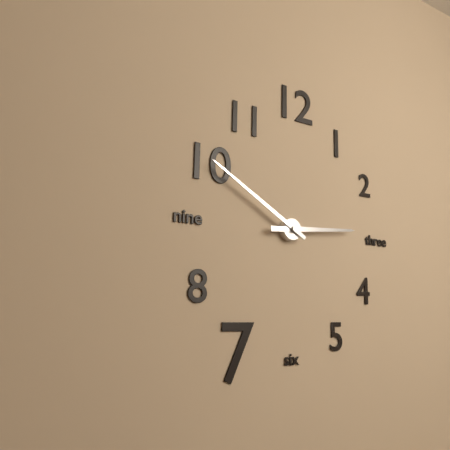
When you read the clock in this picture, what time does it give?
2:50
